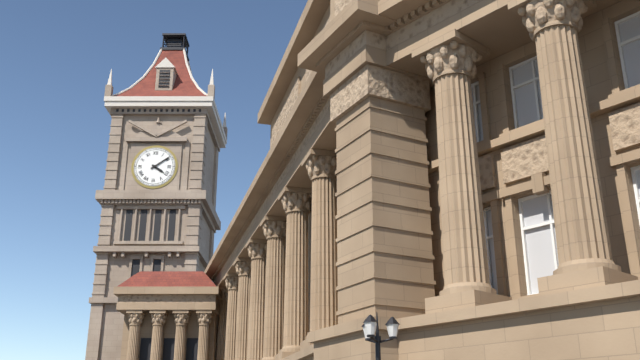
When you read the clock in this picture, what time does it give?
4:09
